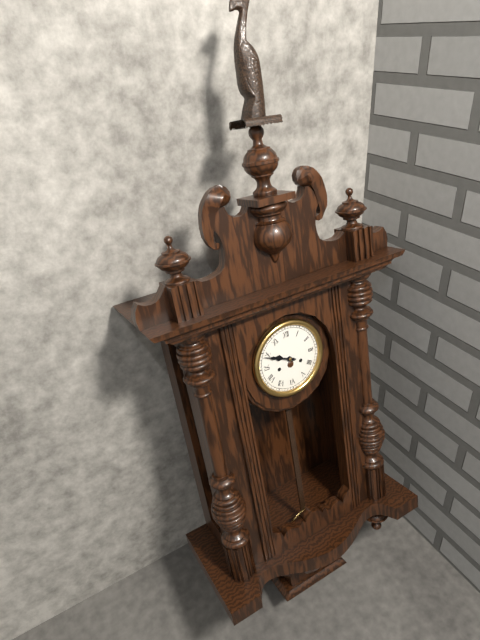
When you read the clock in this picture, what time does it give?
9:49
